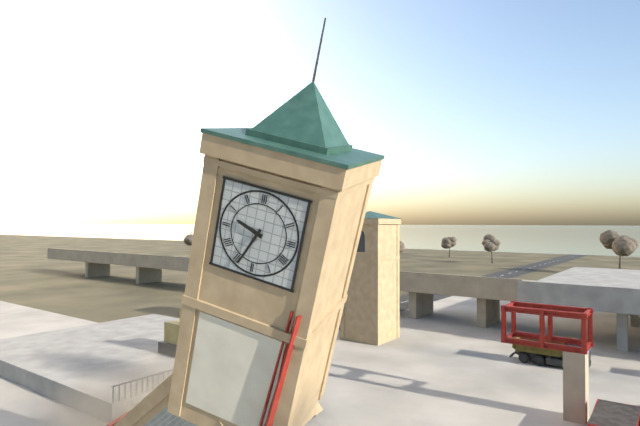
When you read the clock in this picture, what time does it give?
9:34
